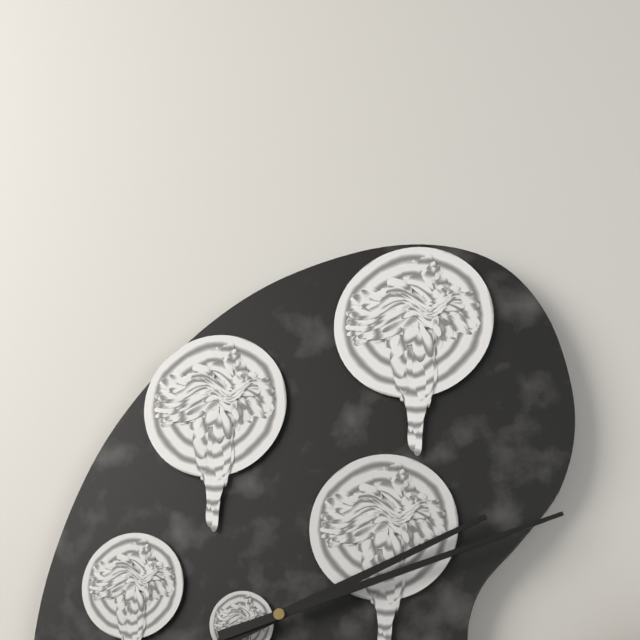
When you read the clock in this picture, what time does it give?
2:12
